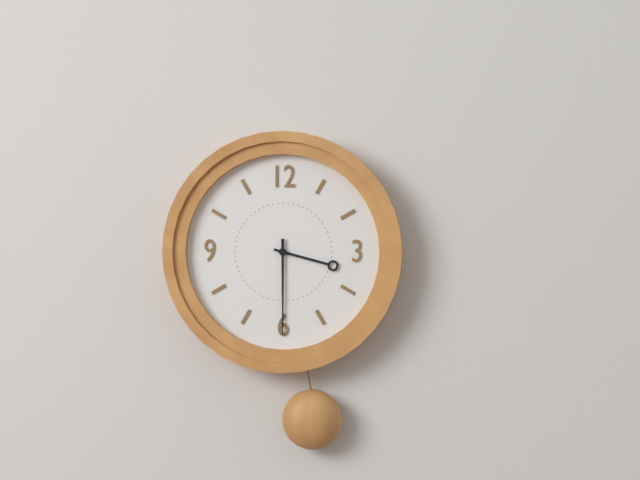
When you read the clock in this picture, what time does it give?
3:30
